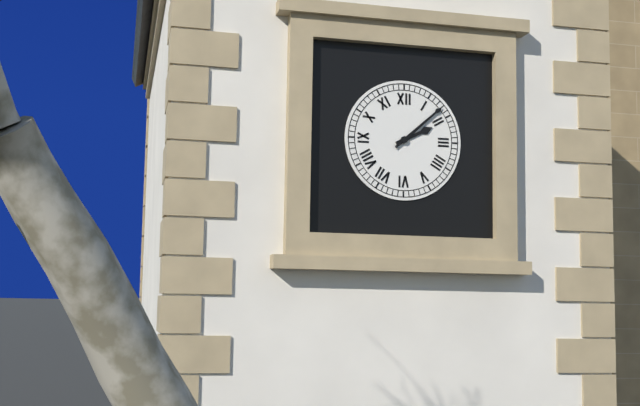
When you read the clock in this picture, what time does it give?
2:08
